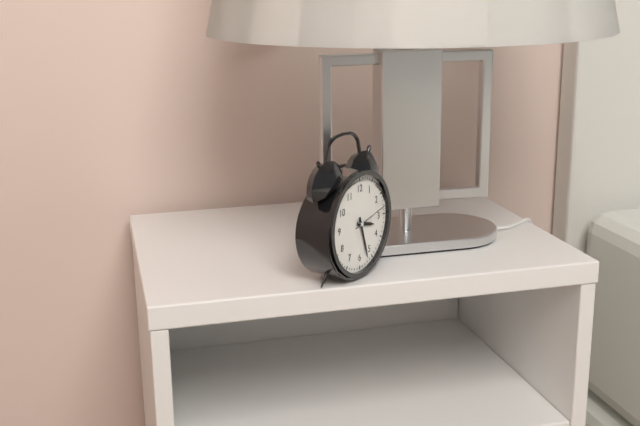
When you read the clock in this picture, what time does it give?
3:27
